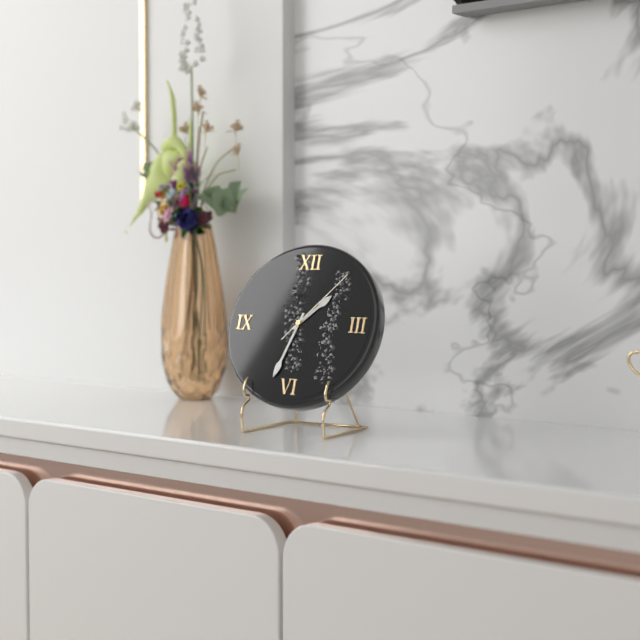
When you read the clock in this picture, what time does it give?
1:33:07
